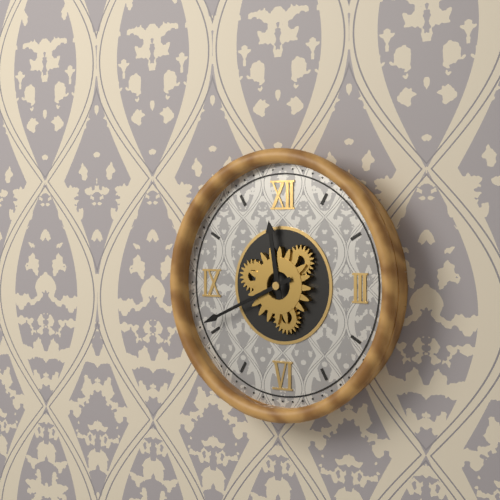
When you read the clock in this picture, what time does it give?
11:41
